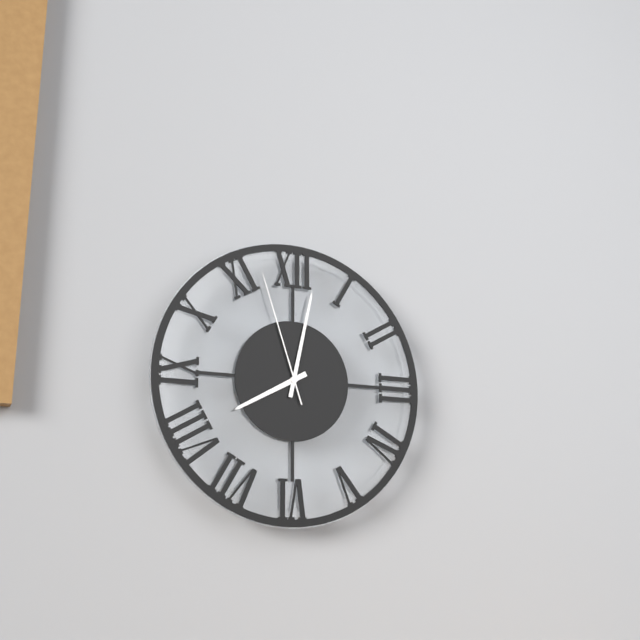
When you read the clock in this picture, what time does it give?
8:02:57
